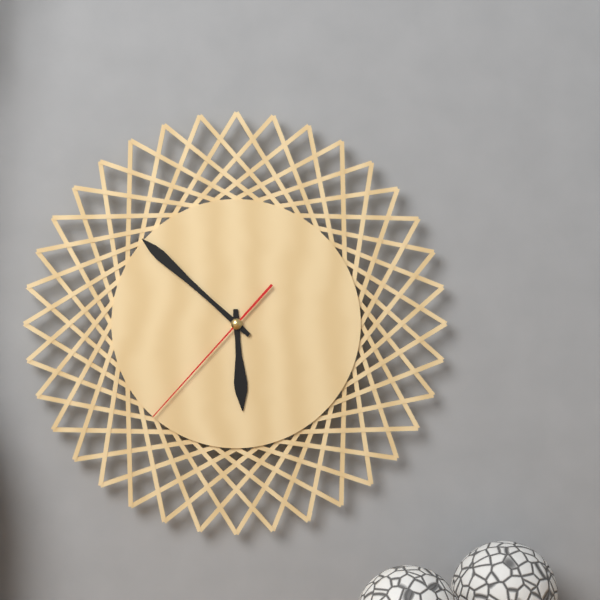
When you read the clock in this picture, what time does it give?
5:52:37
